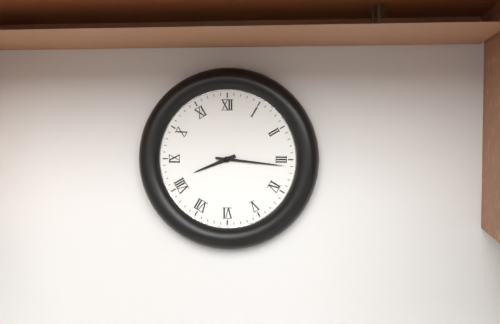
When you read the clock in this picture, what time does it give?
8:16
